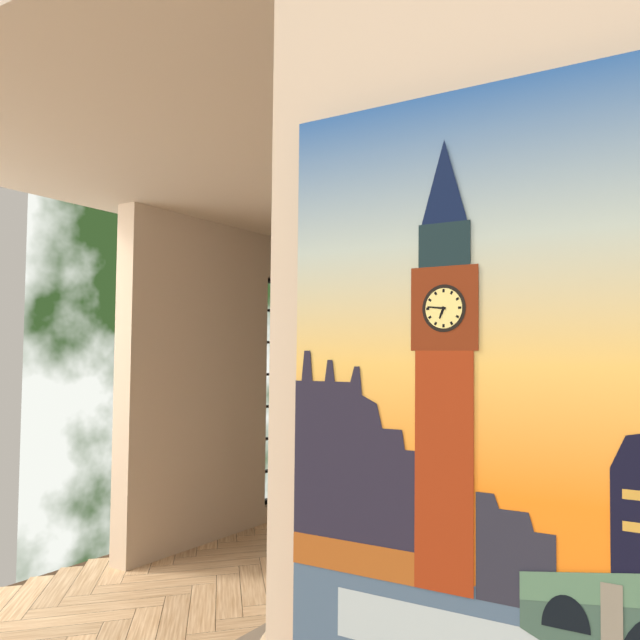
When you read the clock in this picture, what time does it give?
6:46
